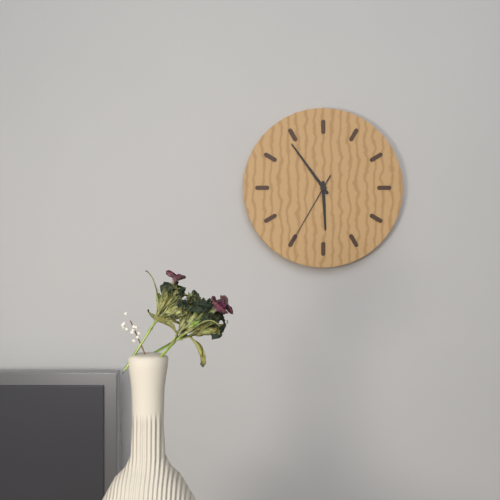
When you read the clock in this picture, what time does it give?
5:54:35
